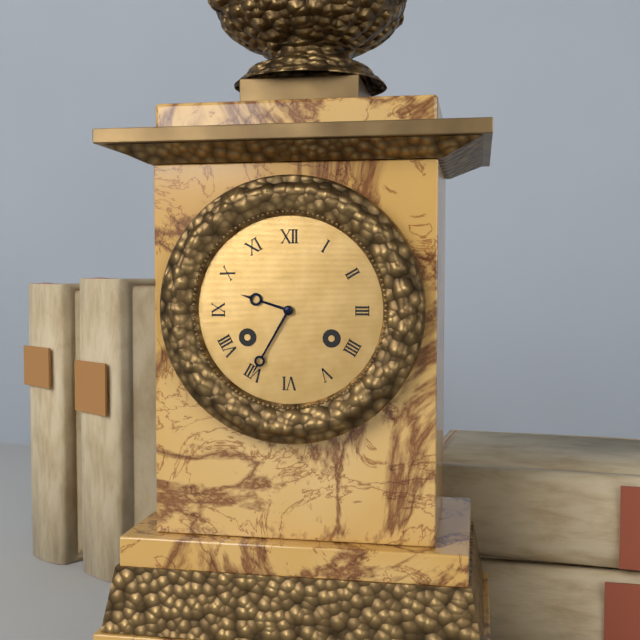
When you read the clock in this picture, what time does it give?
9:35
